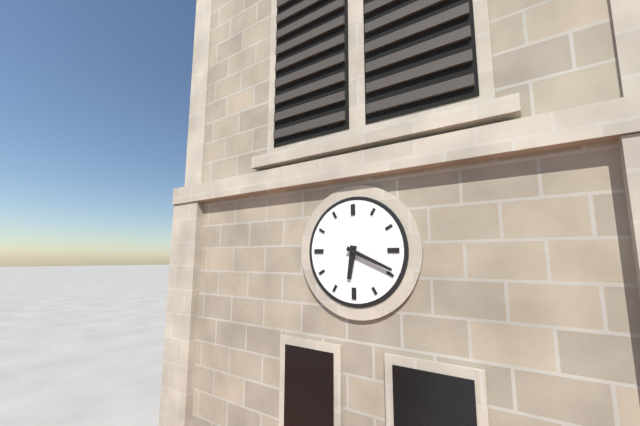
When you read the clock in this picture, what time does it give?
6:19
